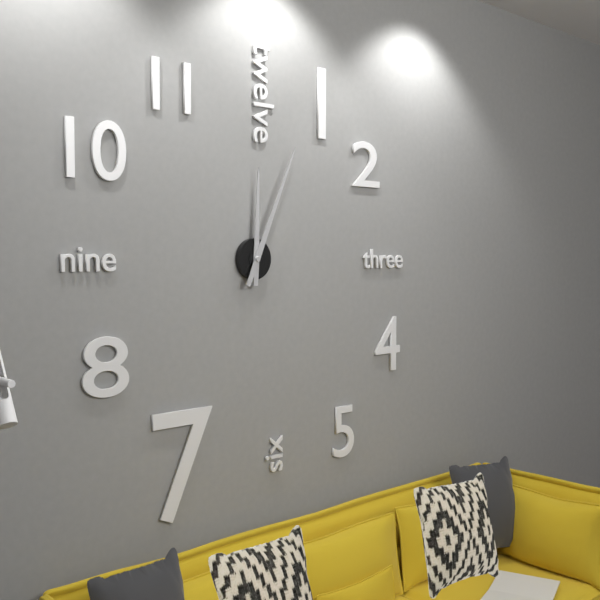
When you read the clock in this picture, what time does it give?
12:04
